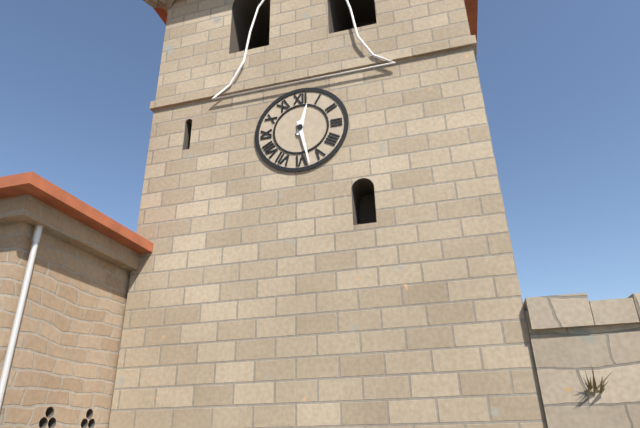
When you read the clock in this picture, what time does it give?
12:28
